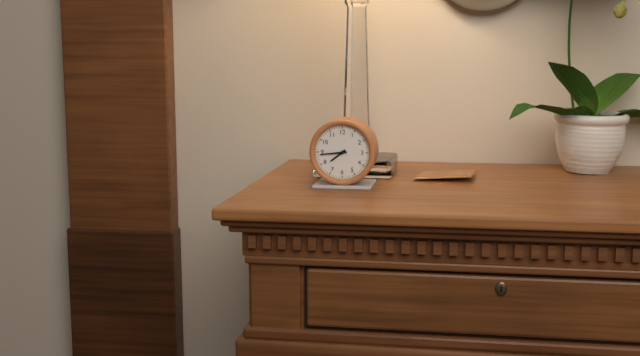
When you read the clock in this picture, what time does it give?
7:44
